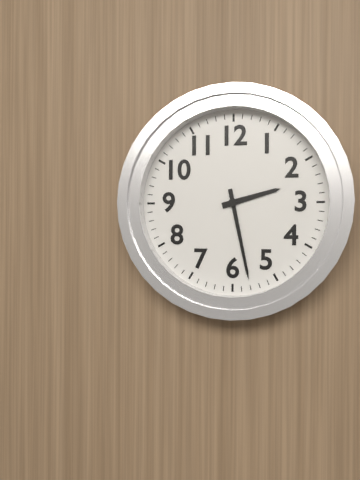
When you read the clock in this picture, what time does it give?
2:28
